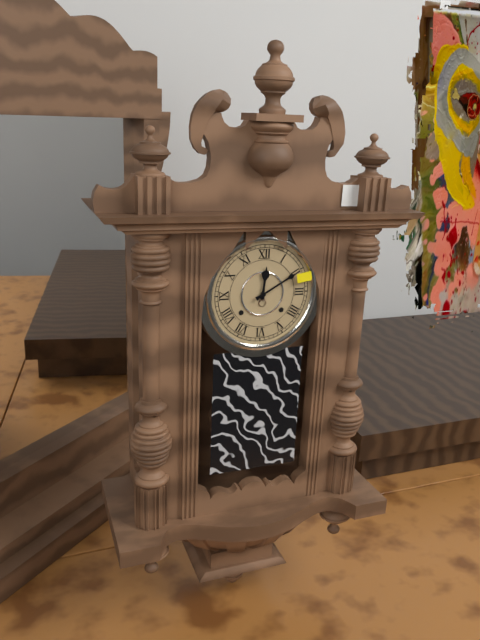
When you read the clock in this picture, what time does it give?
12:10
